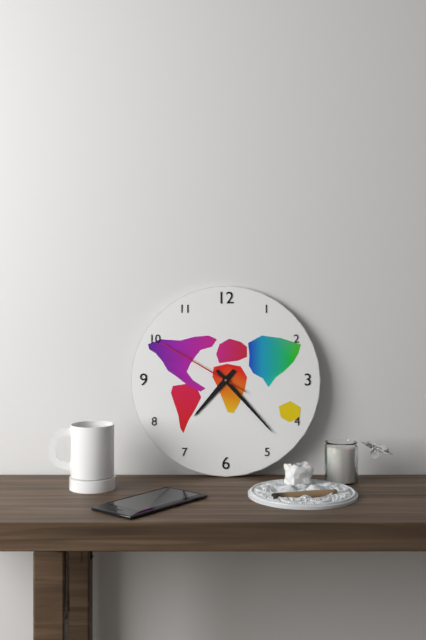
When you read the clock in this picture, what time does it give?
7:23:50
